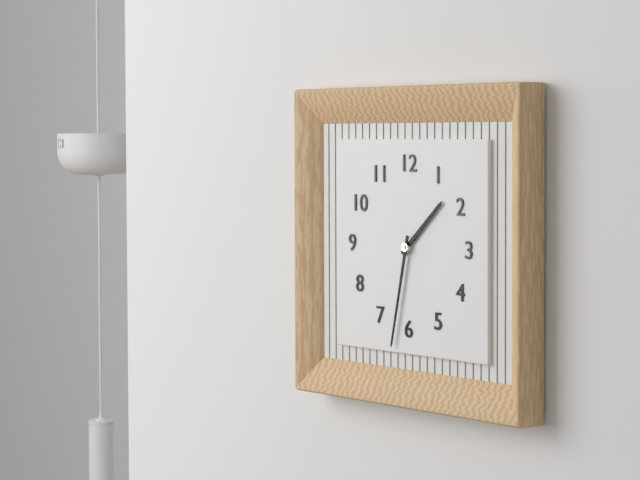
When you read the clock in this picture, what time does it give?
1:32
